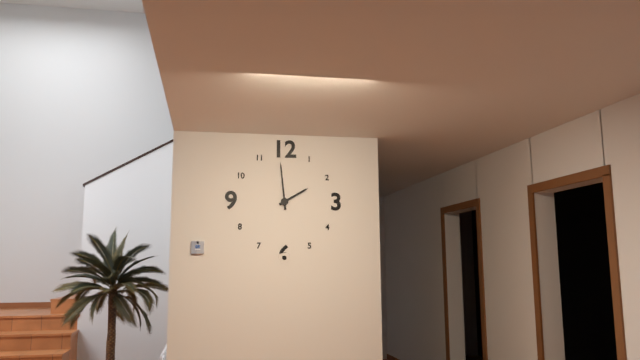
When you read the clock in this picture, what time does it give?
1:59
